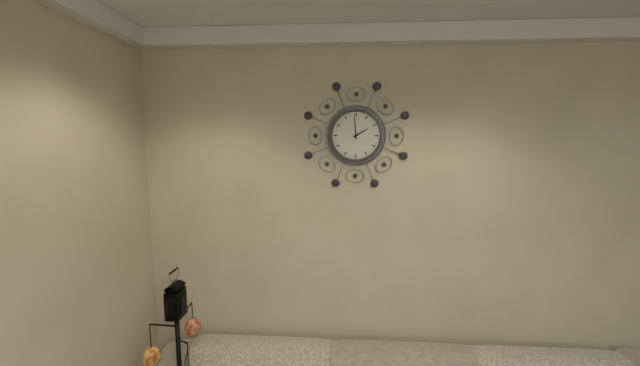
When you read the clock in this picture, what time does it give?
1:59
